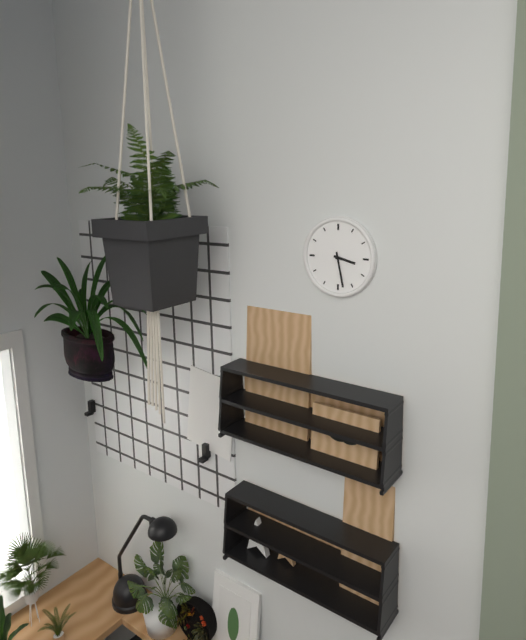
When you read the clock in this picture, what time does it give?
3:28
